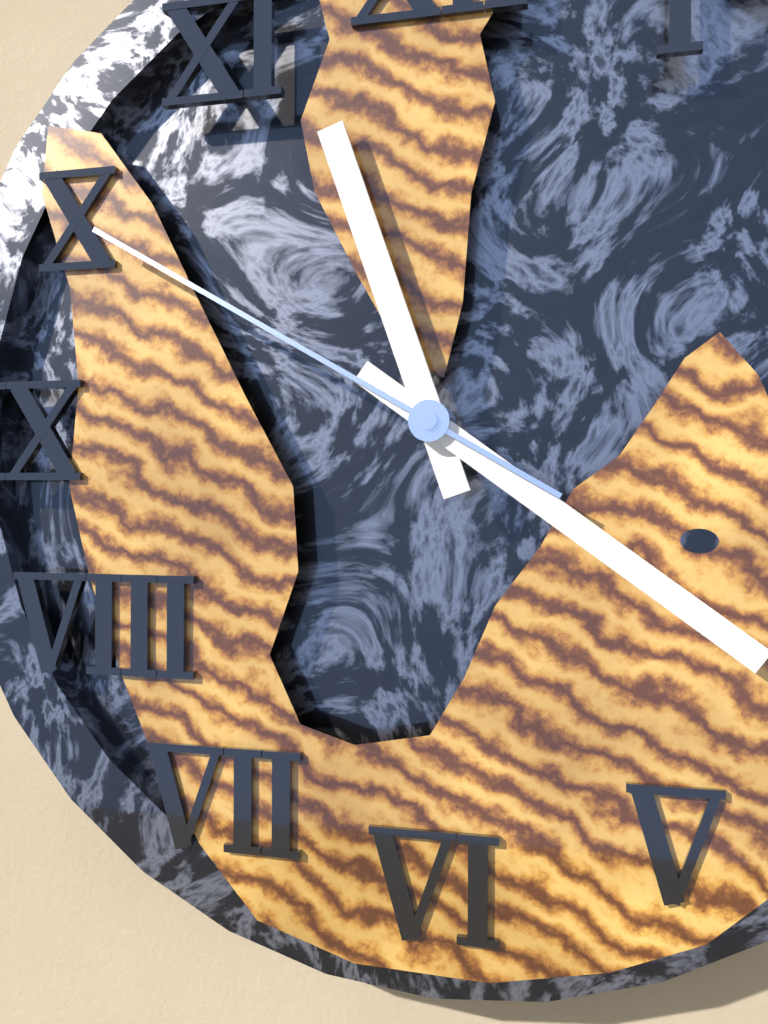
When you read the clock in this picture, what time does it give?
11:21:50
